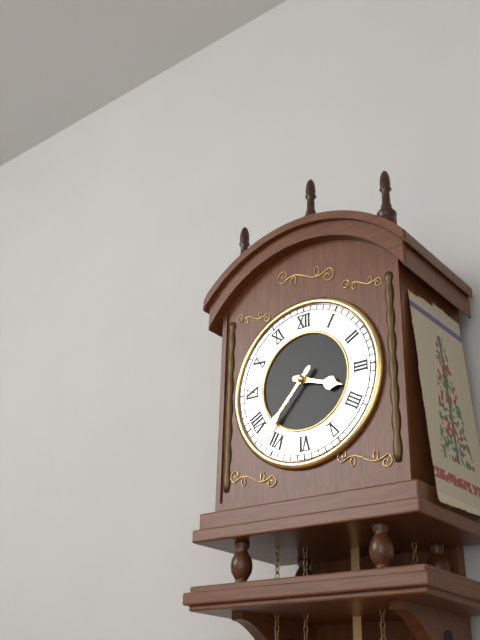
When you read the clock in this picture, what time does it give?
3:37
